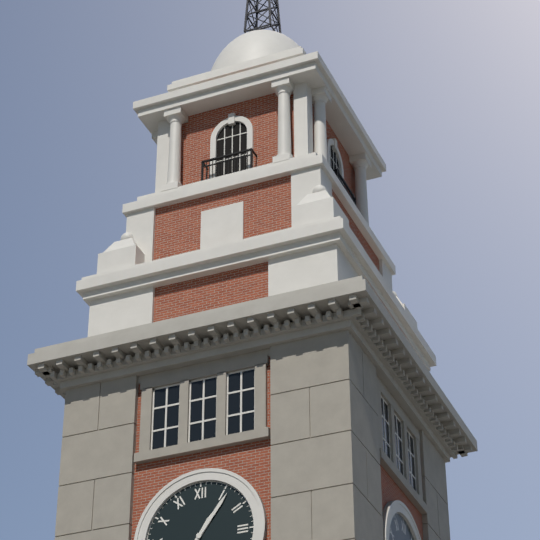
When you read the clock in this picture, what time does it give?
1:06
